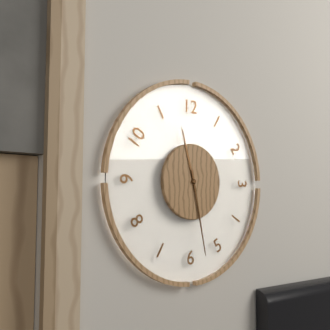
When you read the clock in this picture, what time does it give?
11:28
